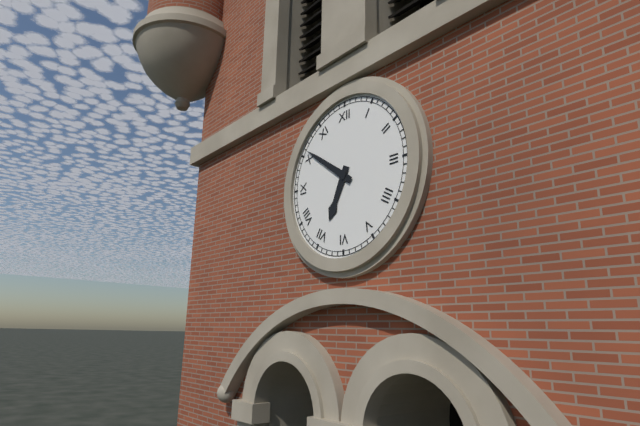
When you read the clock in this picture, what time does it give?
6:51
